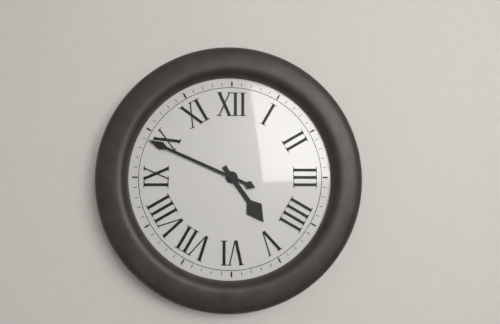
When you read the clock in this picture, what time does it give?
4:49
